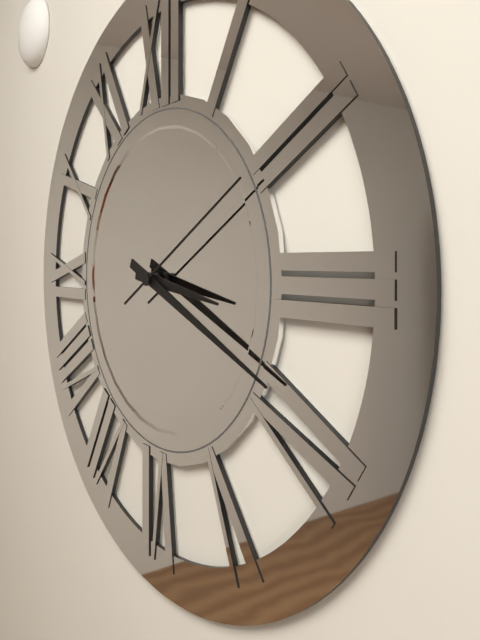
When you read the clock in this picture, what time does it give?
3:19:10
